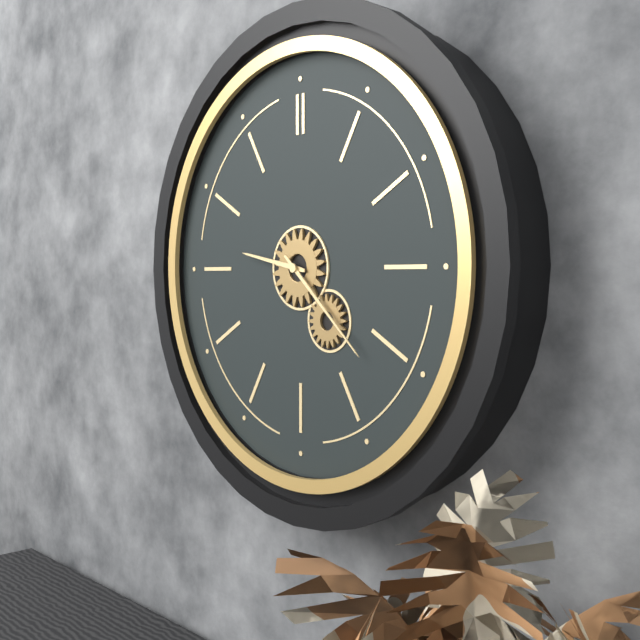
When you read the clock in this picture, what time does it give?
9:22
